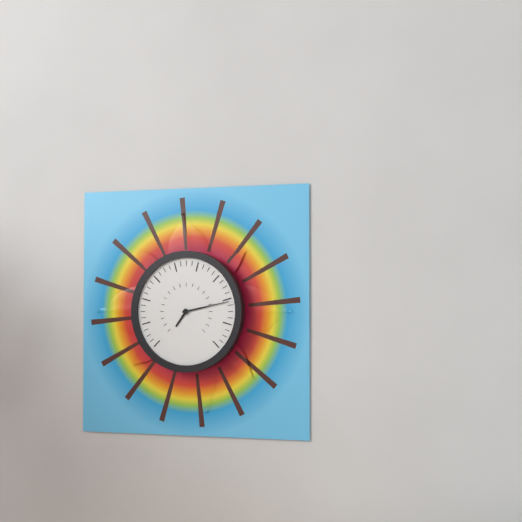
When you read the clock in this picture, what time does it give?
7:13
